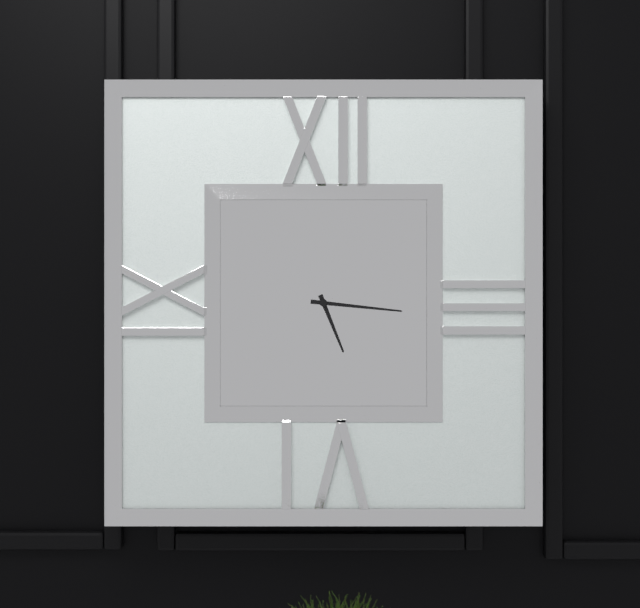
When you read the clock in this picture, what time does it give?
5:16
